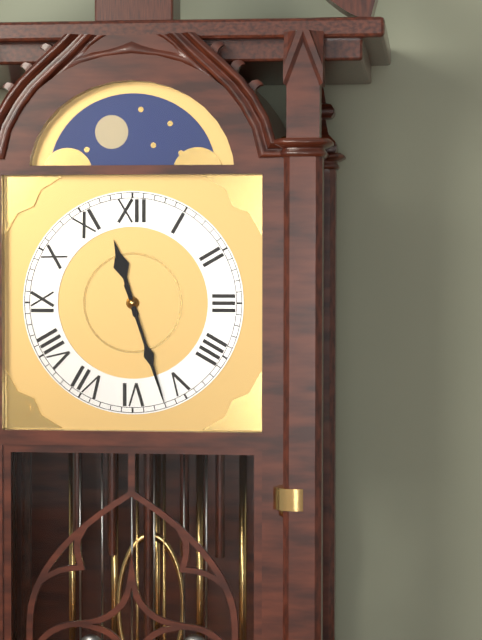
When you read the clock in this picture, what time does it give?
11:27
